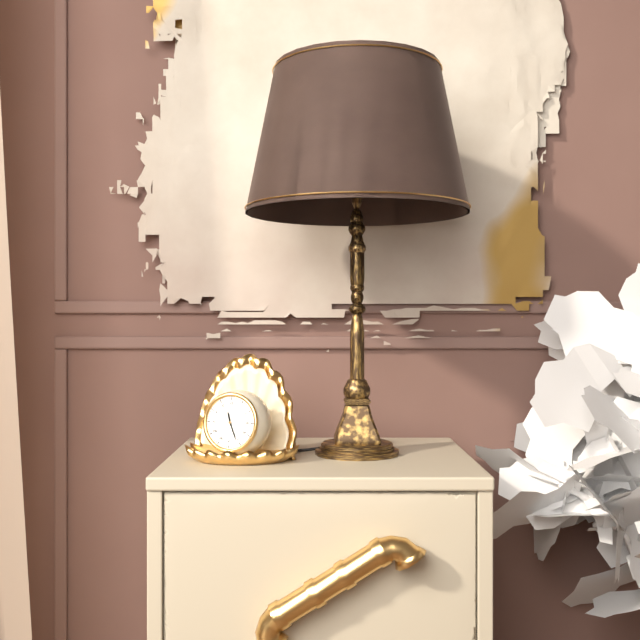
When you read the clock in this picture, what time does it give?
11:26
